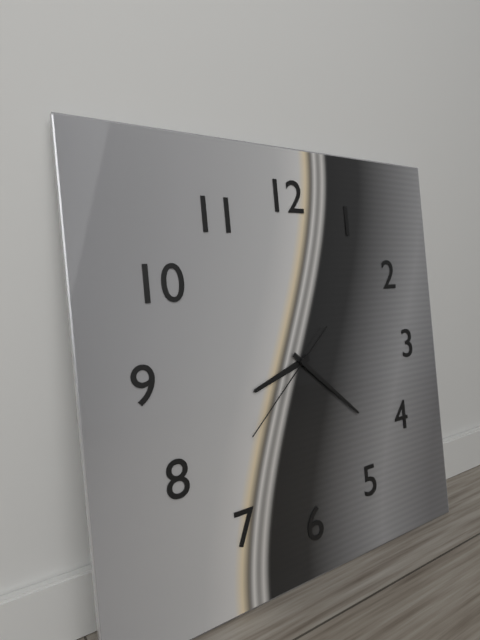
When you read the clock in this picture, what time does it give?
8:22:38
